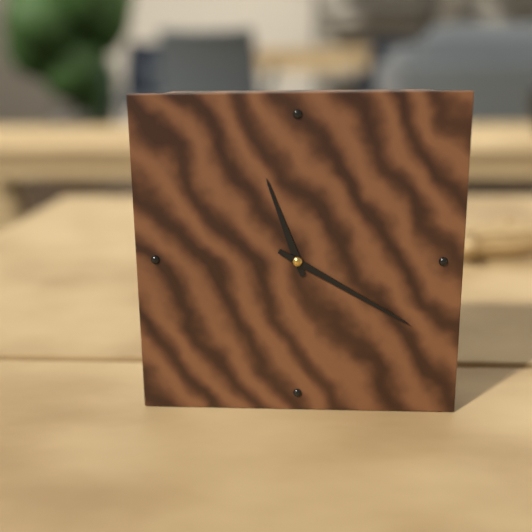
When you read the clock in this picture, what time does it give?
11:20
